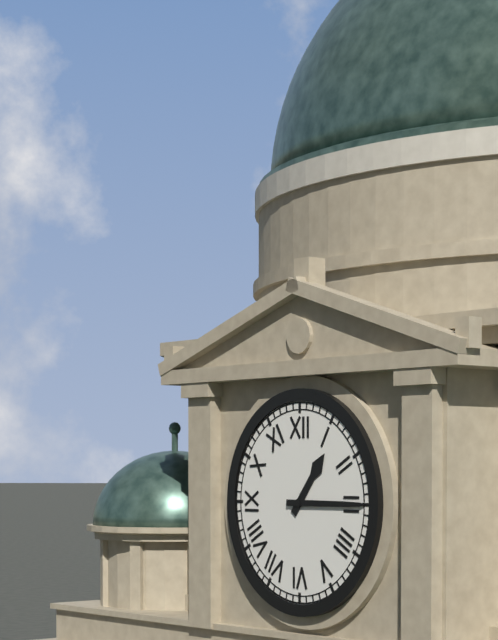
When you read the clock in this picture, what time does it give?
1:15
